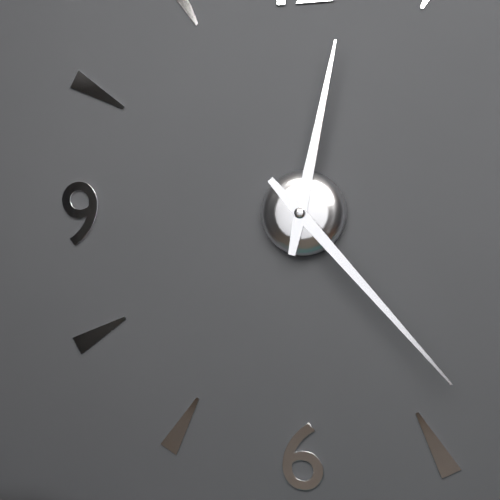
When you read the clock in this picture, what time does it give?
12:23
